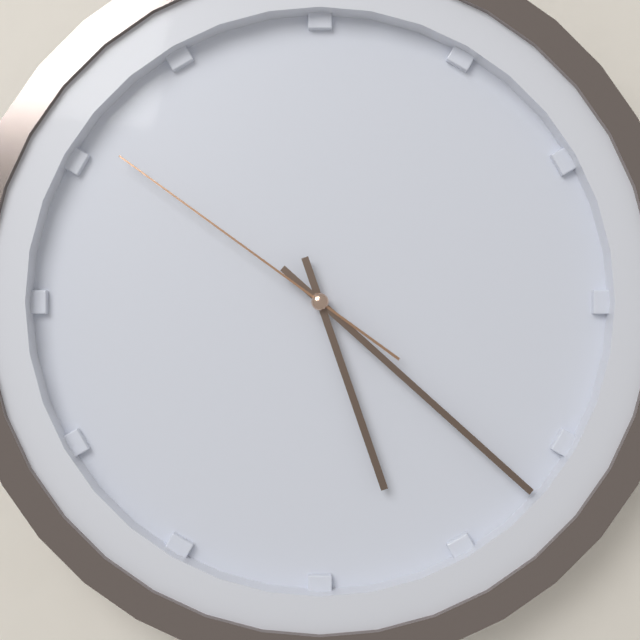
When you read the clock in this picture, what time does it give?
5:22:51
